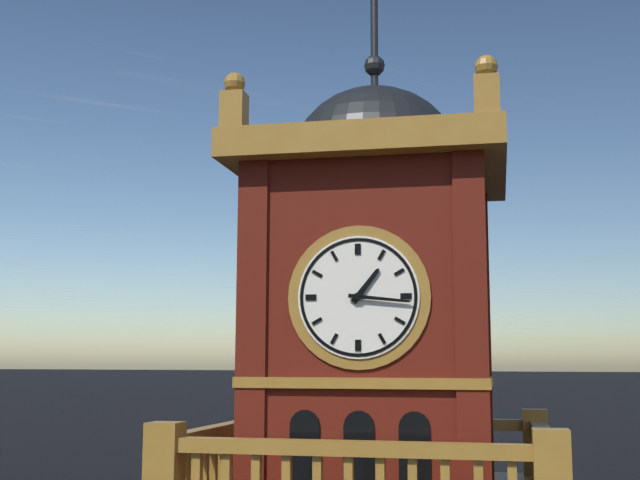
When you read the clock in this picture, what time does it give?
1:16
